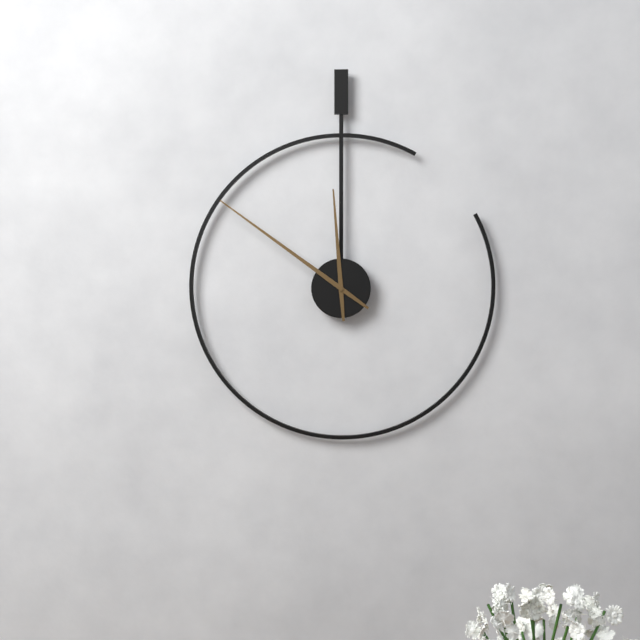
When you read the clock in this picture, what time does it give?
11:51
